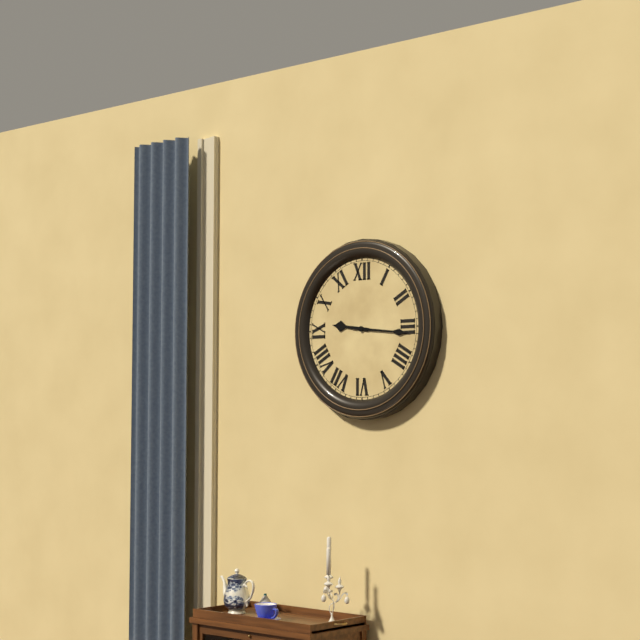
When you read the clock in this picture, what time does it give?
9:16
